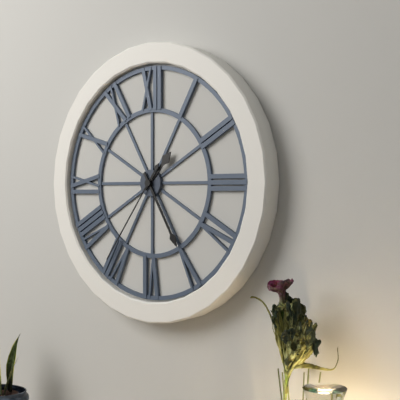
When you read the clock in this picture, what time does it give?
1:25:36
